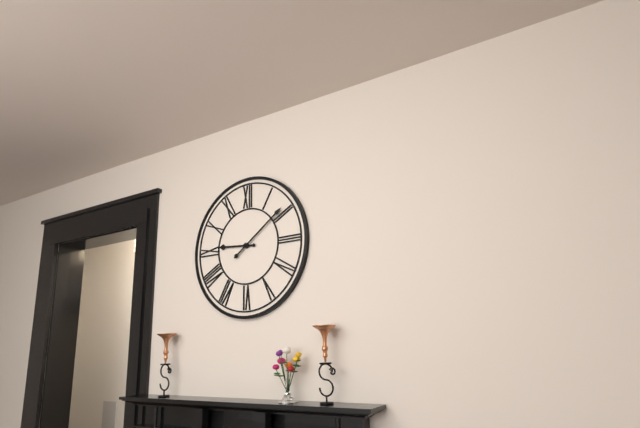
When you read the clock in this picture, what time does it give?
9:09
